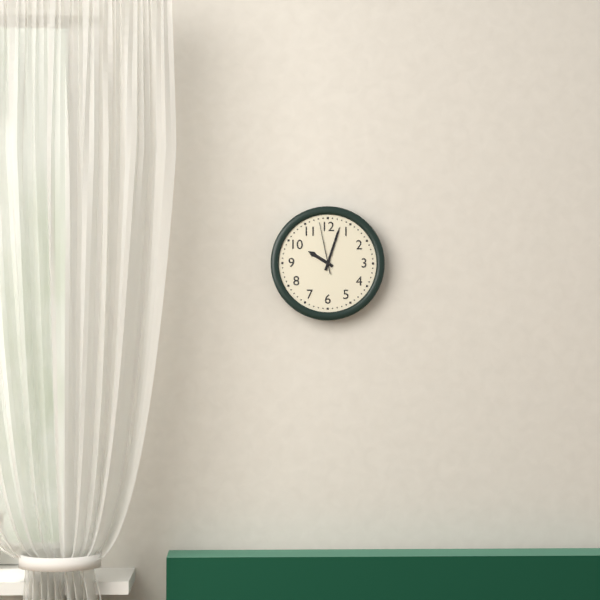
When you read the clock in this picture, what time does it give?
10:03:58
